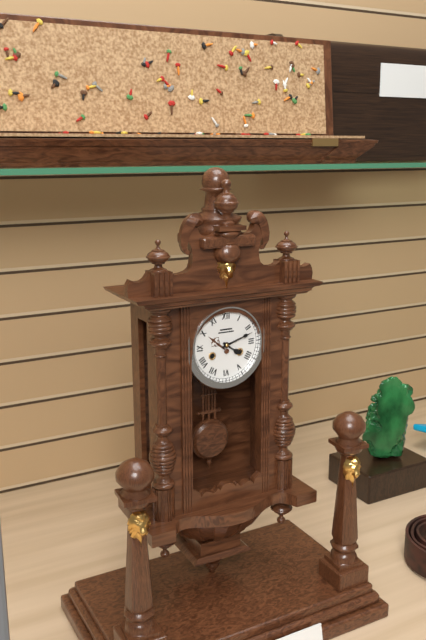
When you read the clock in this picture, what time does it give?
4:12
